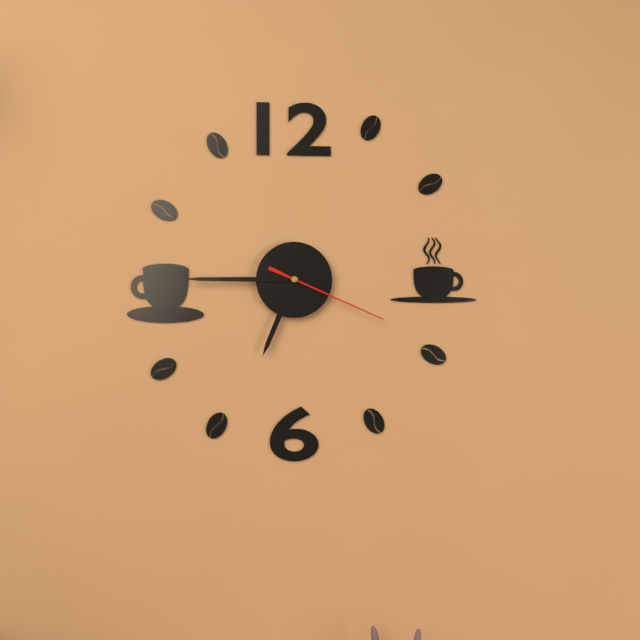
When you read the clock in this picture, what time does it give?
6:45:19
